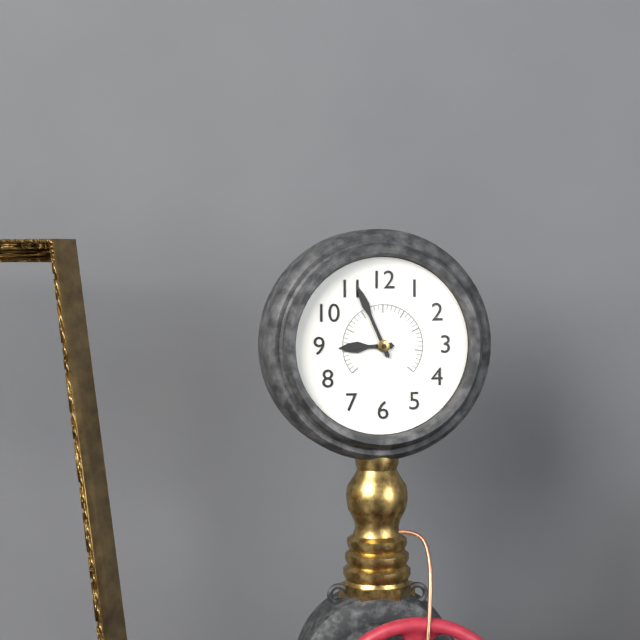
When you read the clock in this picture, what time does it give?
8:56
